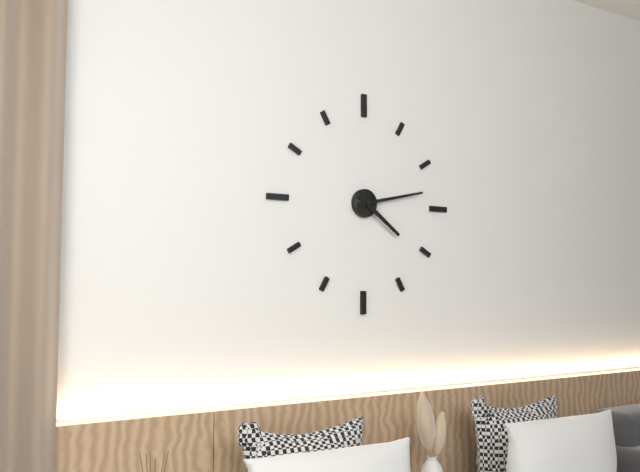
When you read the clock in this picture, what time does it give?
4:13
